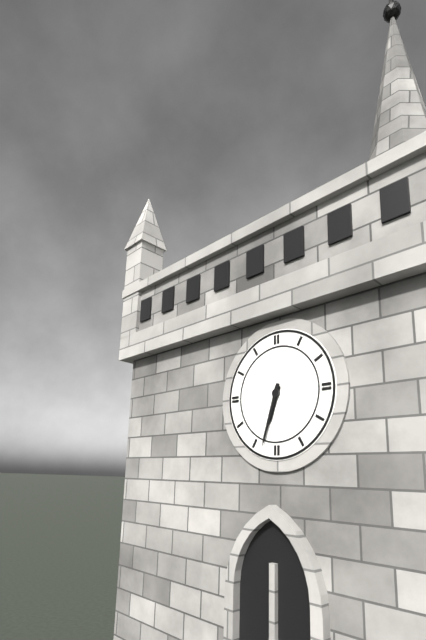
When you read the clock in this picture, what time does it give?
6:33
